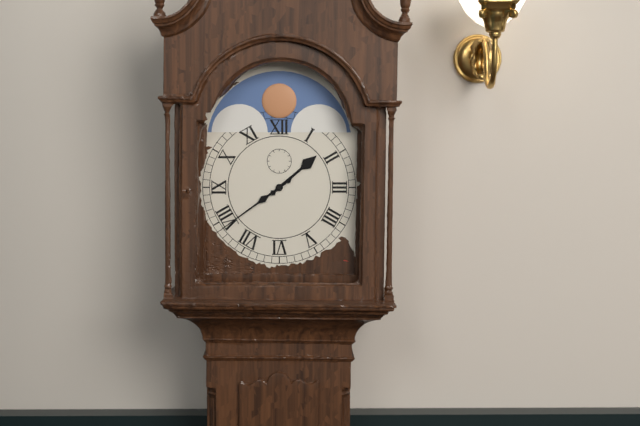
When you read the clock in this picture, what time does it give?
1:39
